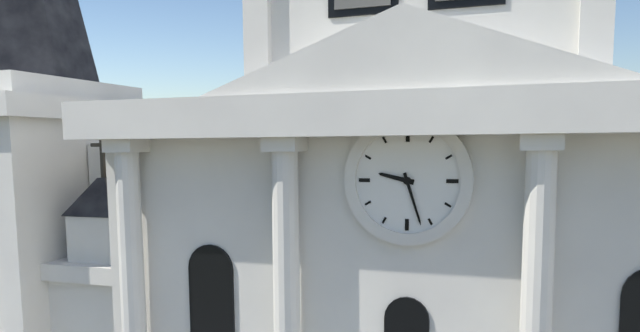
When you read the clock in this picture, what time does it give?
9:27
